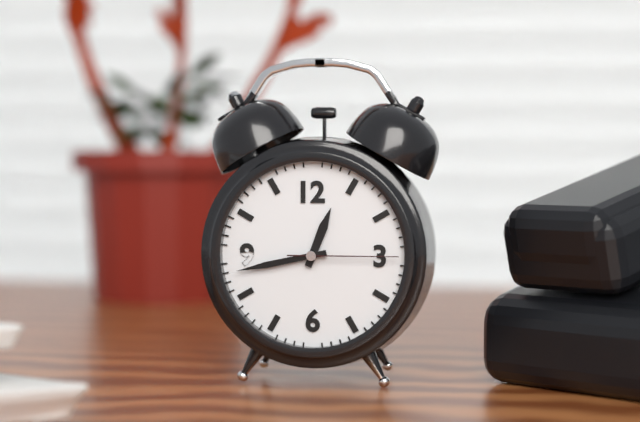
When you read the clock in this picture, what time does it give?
12:43:15
